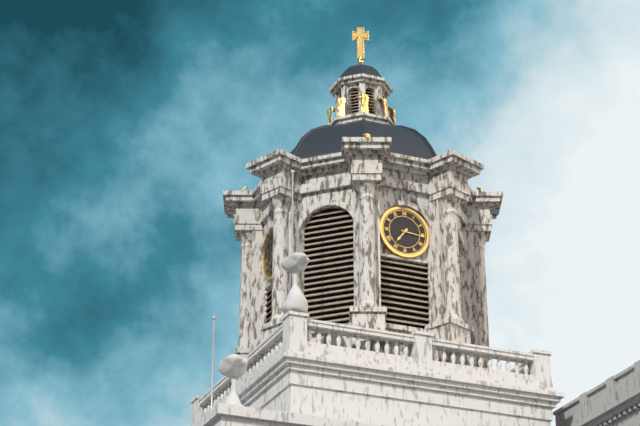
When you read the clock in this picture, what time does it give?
7:16
